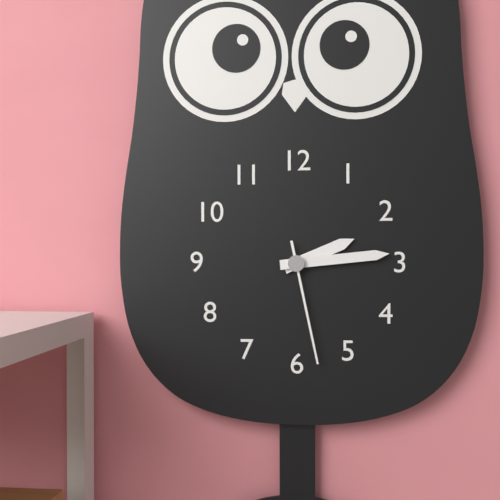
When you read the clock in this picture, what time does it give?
2:14:28
